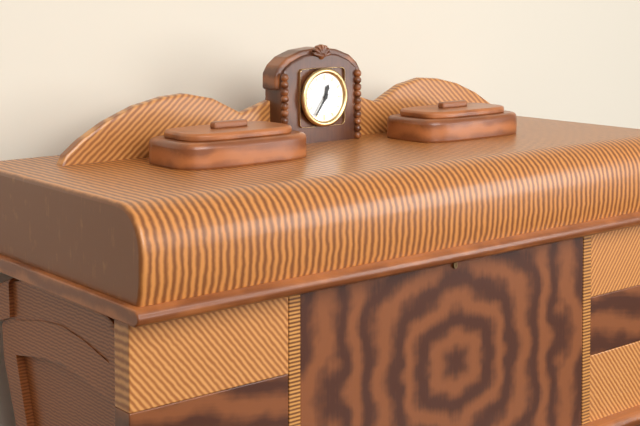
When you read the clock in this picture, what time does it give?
12:36
